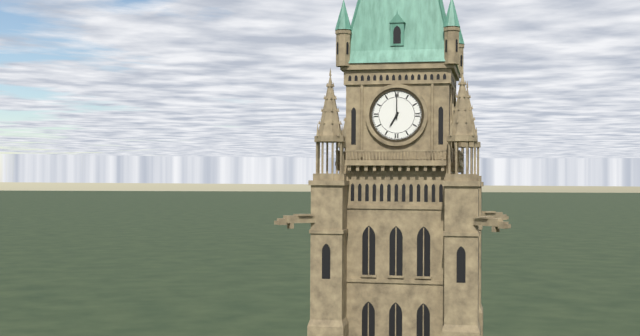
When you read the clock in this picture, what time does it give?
7:00
